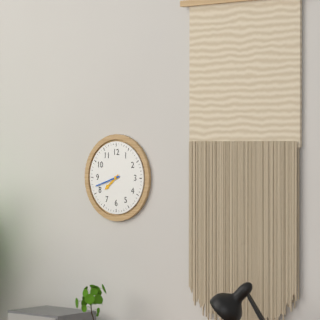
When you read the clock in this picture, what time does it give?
7:42
